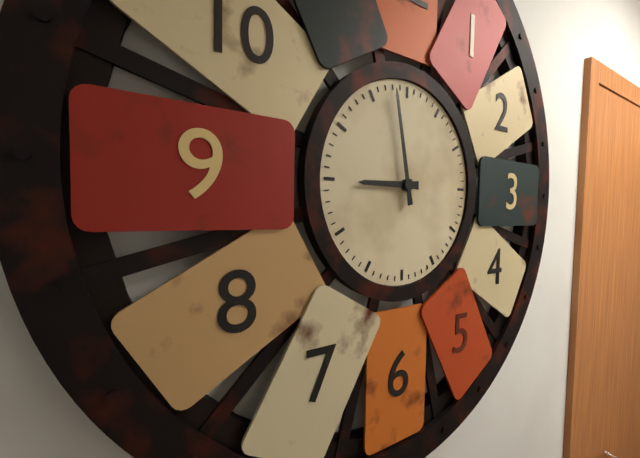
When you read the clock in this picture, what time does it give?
8:58
